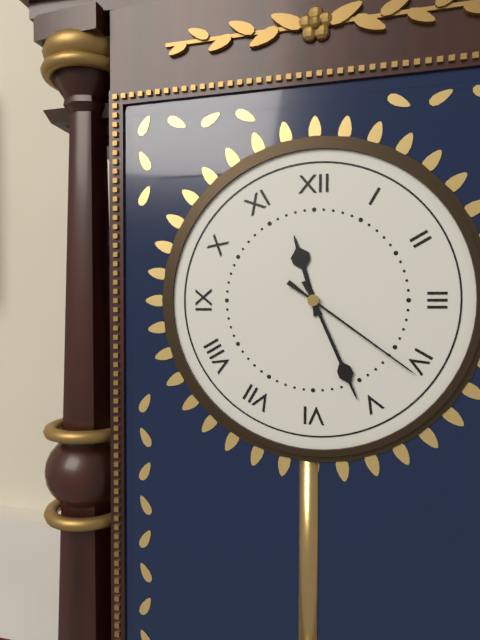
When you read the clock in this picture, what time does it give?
11:26:21
